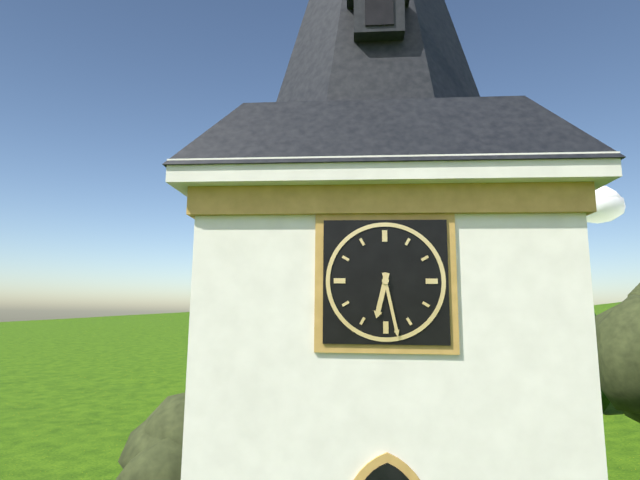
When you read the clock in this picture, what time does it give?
6:28
